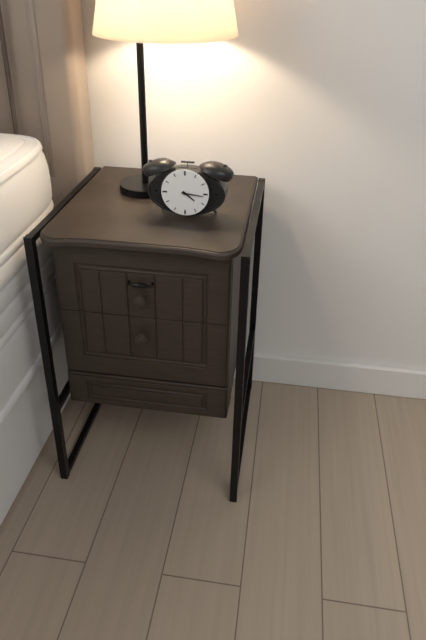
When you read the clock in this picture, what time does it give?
4:16
